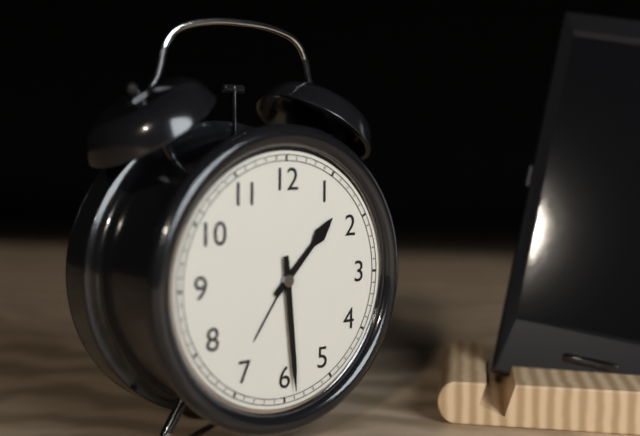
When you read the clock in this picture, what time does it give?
1:29
